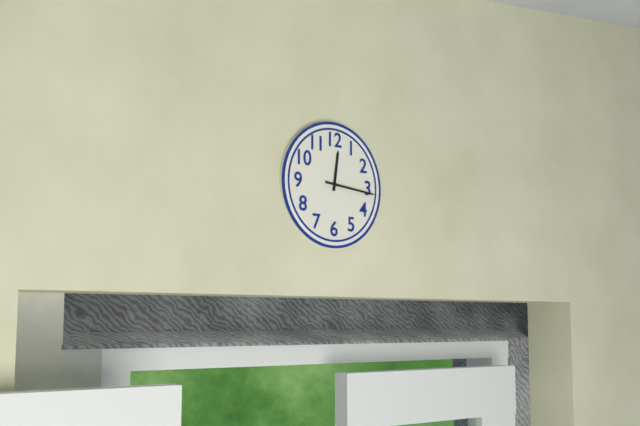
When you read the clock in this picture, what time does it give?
12:16
